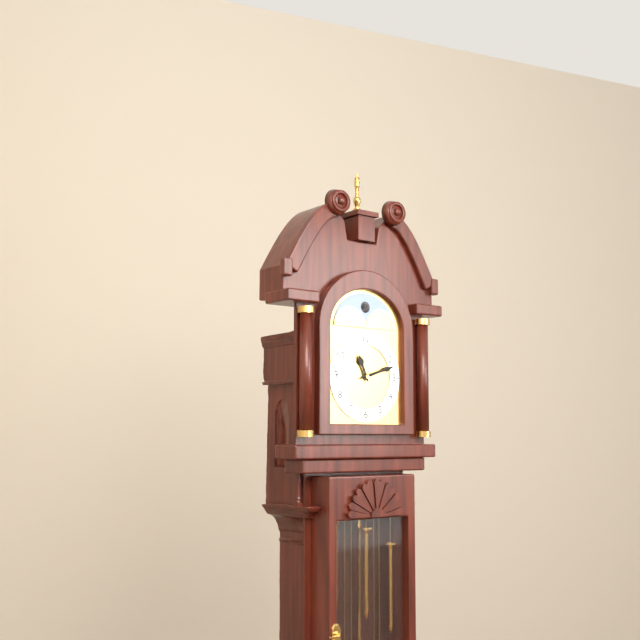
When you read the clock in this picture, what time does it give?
11:12
